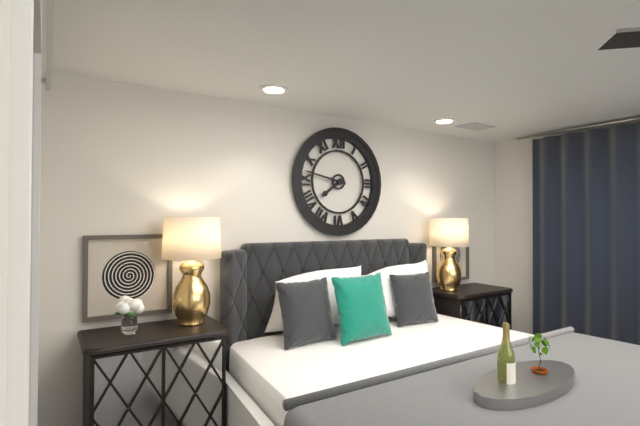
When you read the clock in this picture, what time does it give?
7:47
